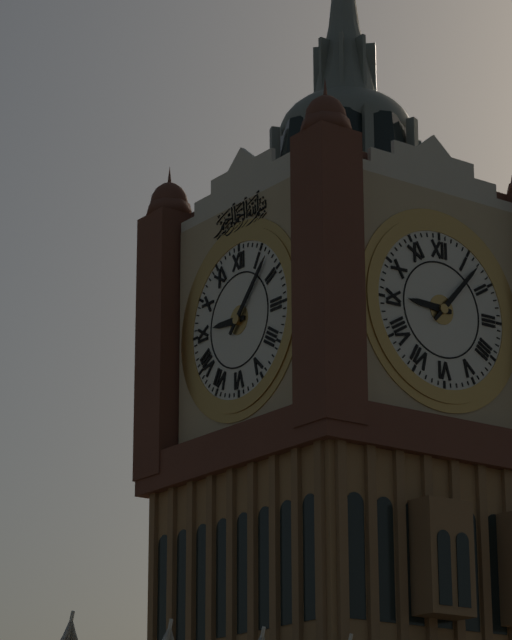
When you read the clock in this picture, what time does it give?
9:07
